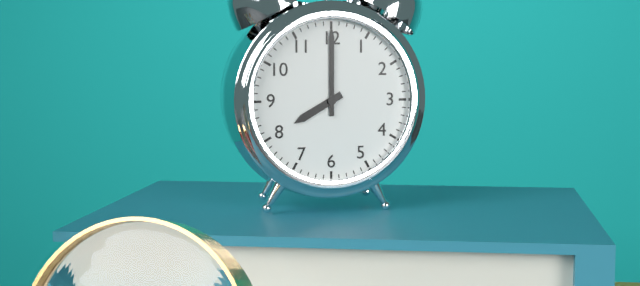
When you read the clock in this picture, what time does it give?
8:00
